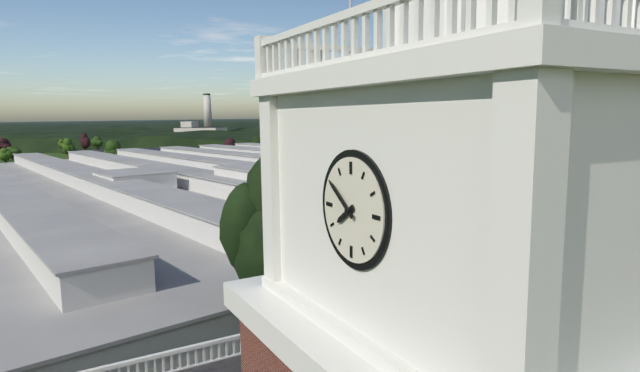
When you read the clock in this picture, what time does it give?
7:51
